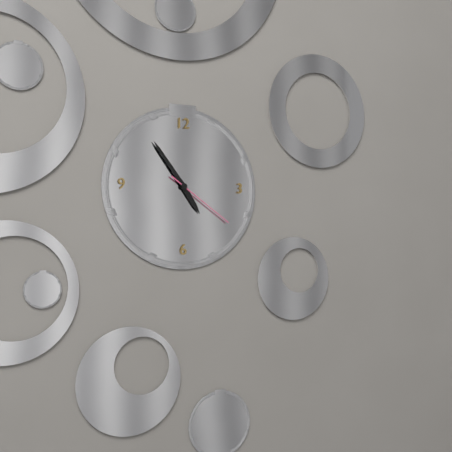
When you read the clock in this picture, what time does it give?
4:54:21
